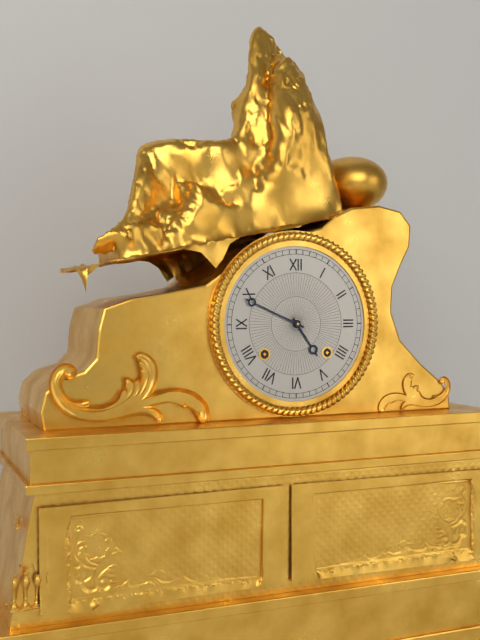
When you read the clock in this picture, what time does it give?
4:49
